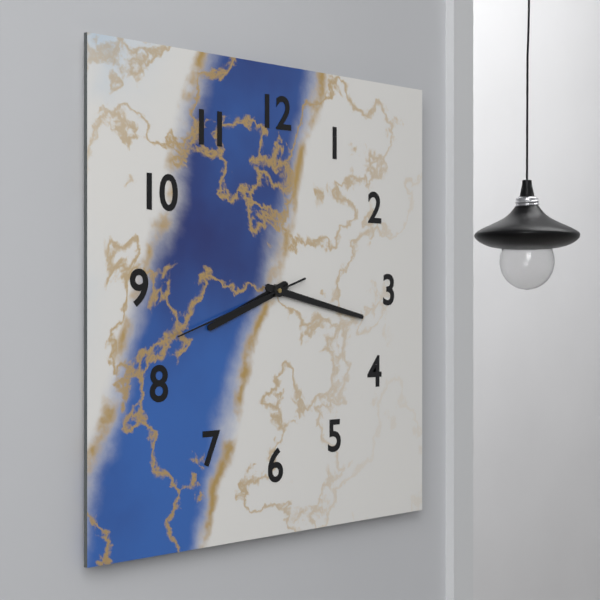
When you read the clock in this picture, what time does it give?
8:17:42
